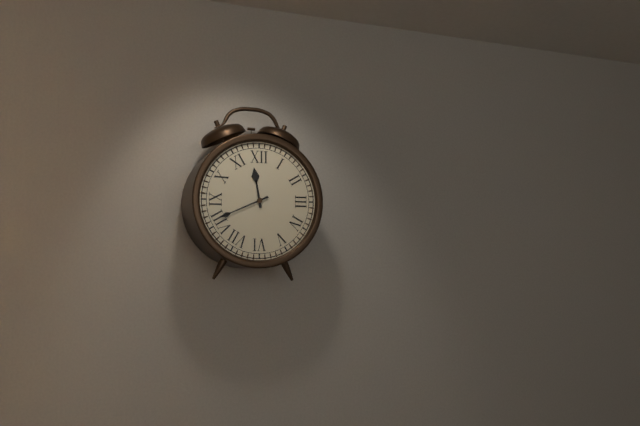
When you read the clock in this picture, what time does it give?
11:41
